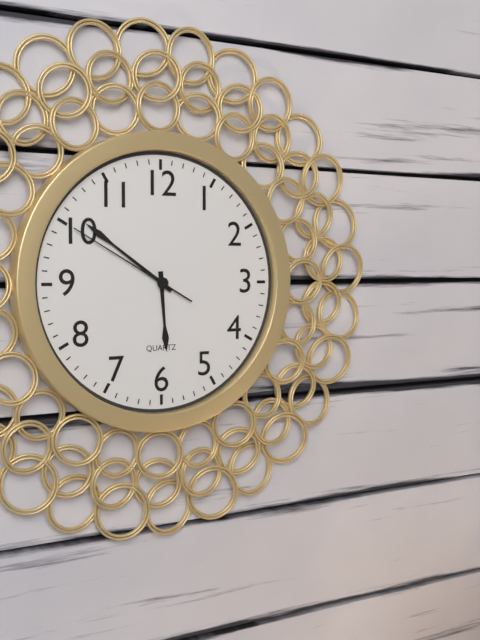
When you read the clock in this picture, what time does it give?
5:51:50
